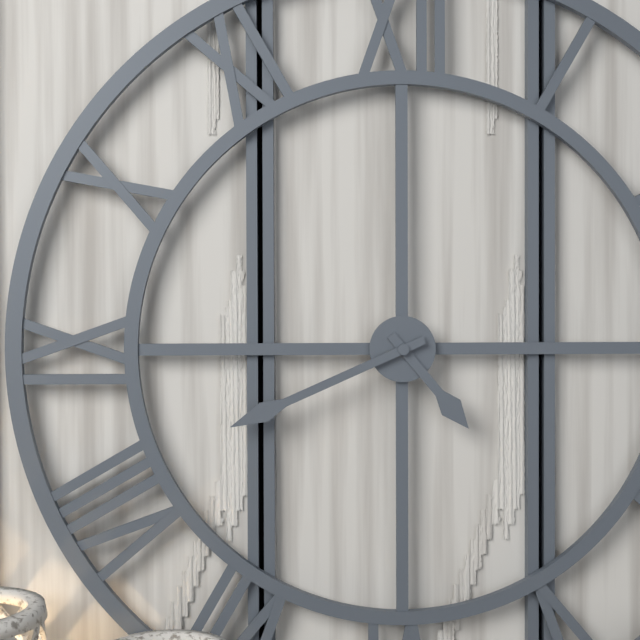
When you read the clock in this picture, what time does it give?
4:41
